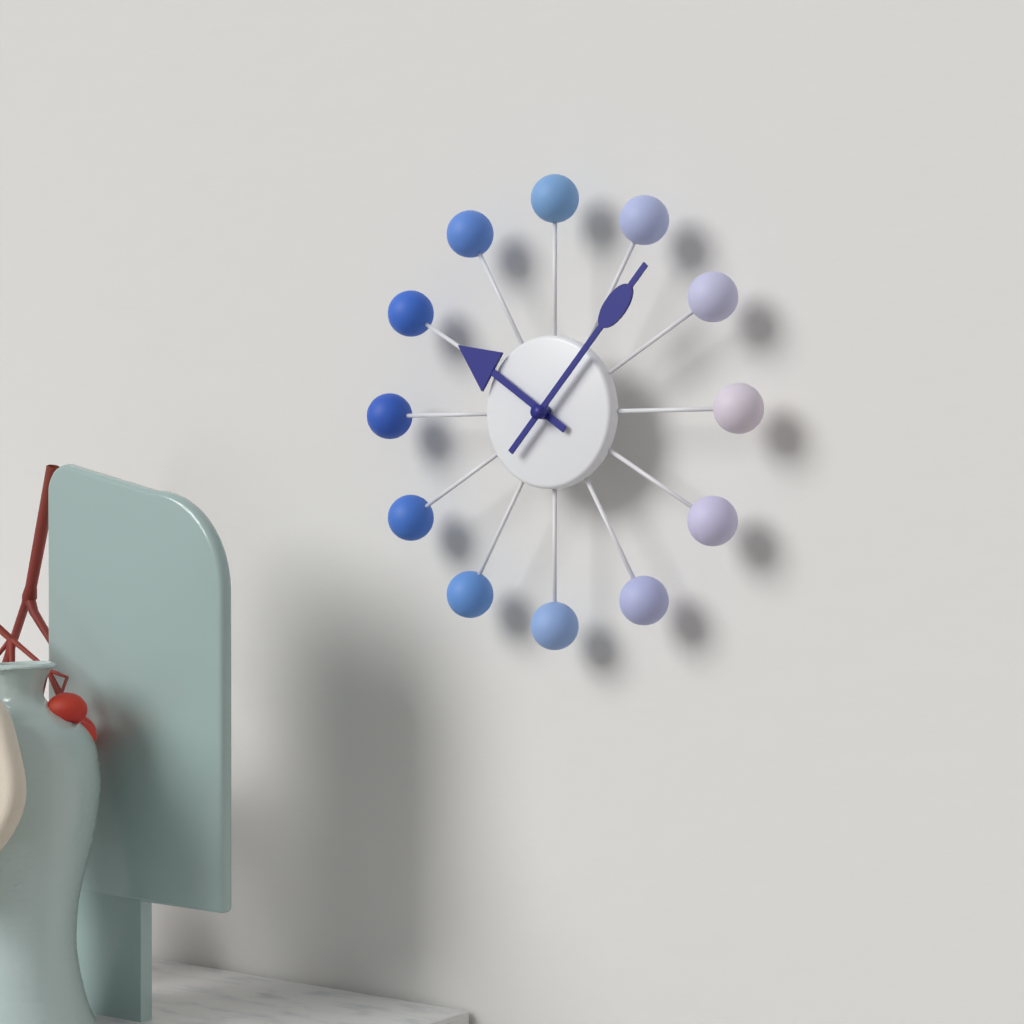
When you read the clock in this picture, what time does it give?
10:07
